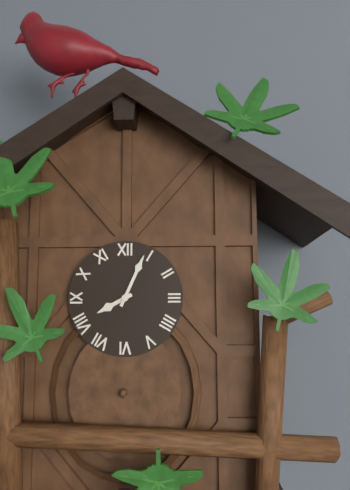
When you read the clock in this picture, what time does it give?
8:04
